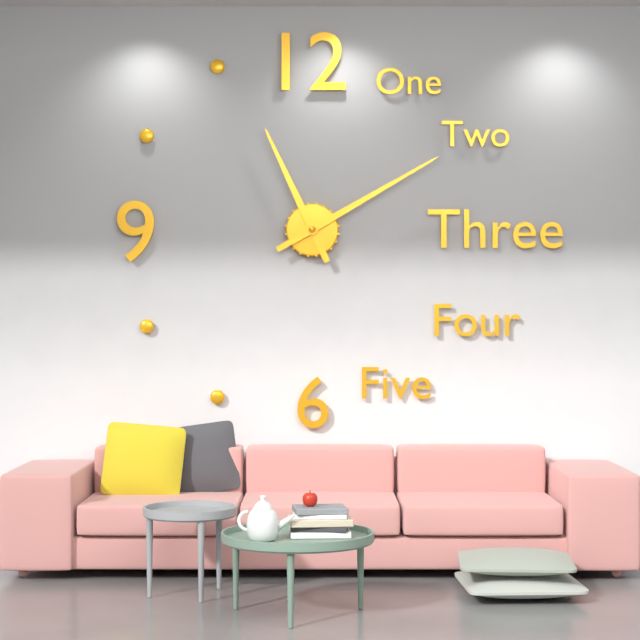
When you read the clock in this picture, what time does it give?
11:10
